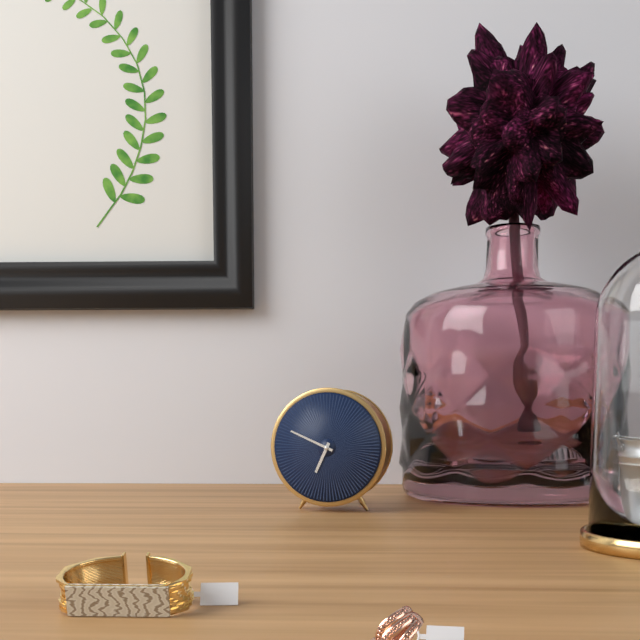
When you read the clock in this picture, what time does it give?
6:49
